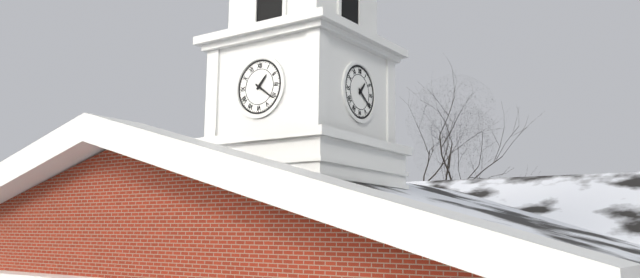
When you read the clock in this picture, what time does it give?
1:21
